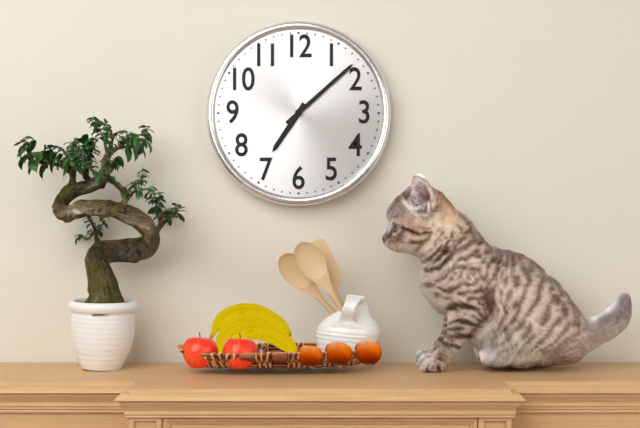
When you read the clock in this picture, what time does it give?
7:08
